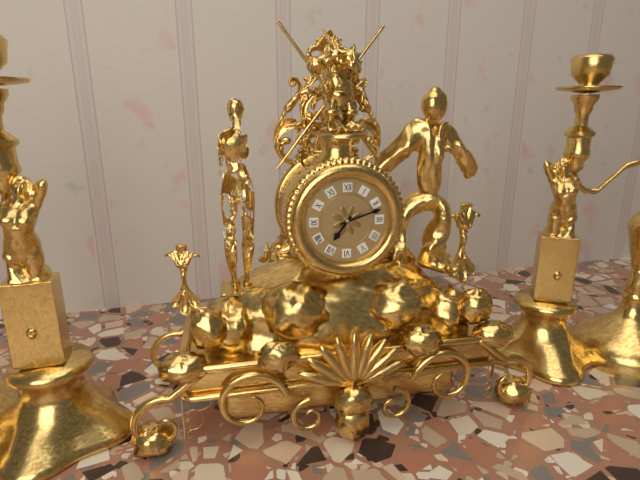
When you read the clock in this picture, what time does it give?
7:12
